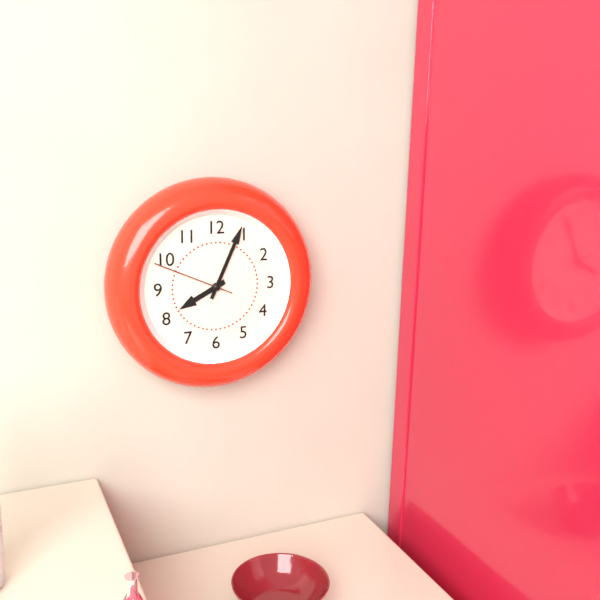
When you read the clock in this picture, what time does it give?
8:04:49
